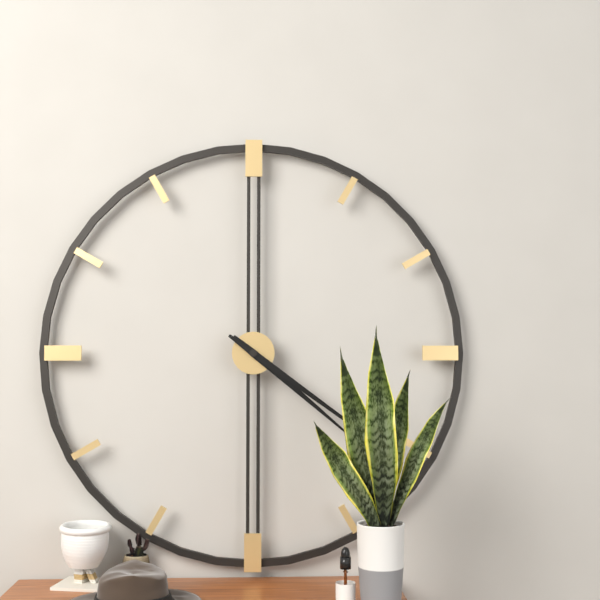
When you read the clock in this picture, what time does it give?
4:21
